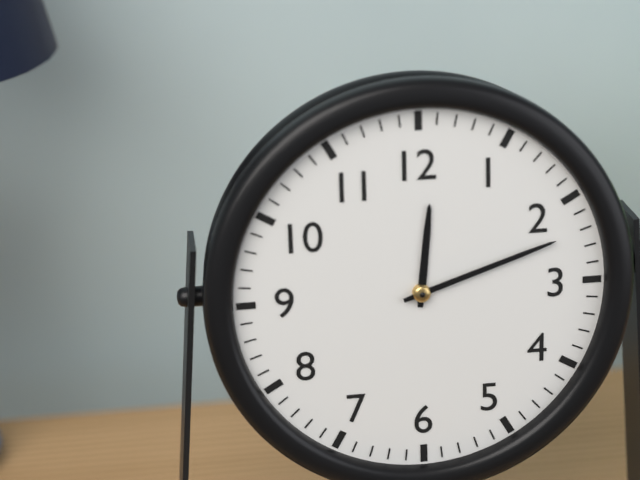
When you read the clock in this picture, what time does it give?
12:12
